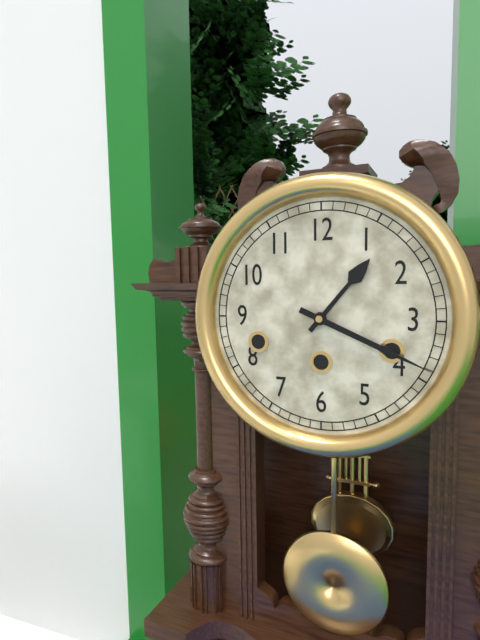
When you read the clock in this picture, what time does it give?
1:19
